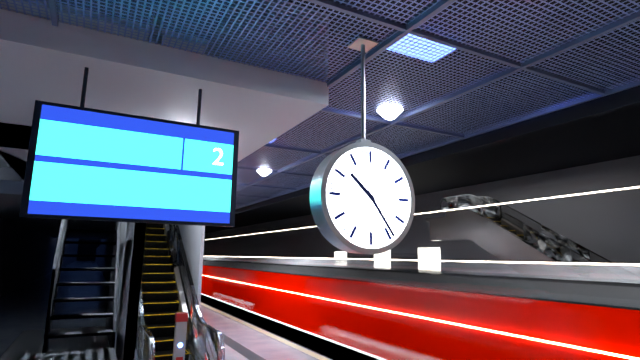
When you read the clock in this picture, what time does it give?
10:24
